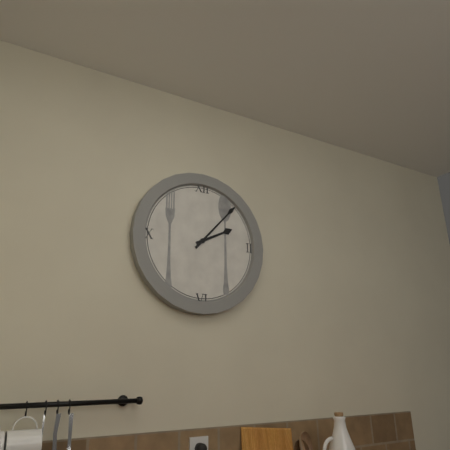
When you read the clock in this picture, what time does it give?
2:07
